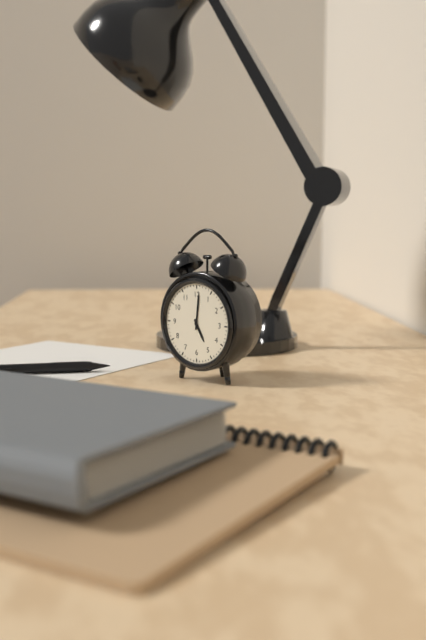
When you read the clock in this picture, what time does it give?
5:01
